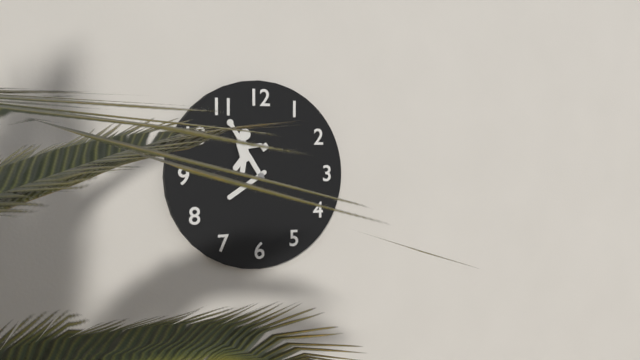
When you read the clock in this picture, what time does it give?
7:54
